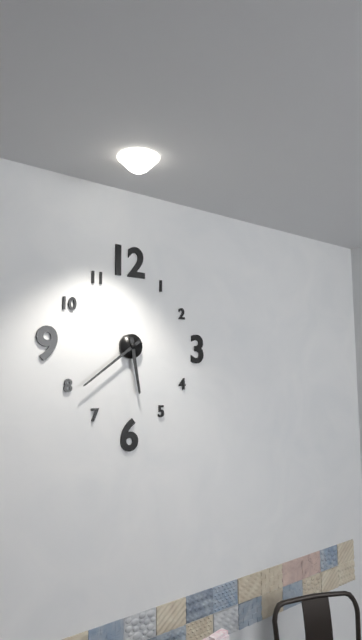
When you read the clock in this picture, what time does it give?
5:39
